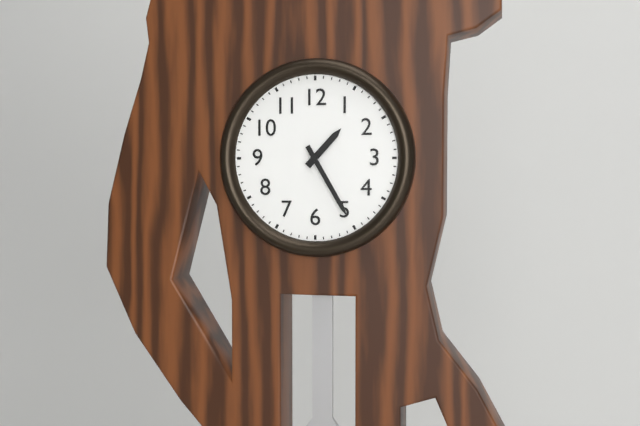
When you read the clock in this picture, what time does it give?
1:25
